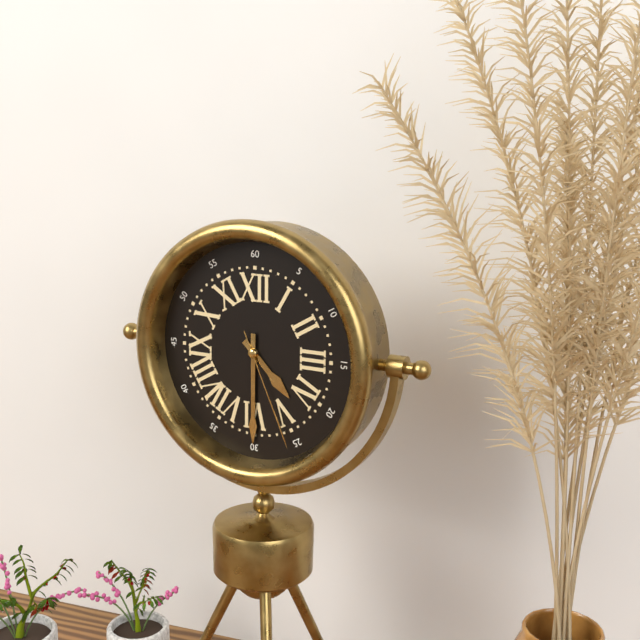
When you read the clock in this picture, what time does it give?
4:30:26
